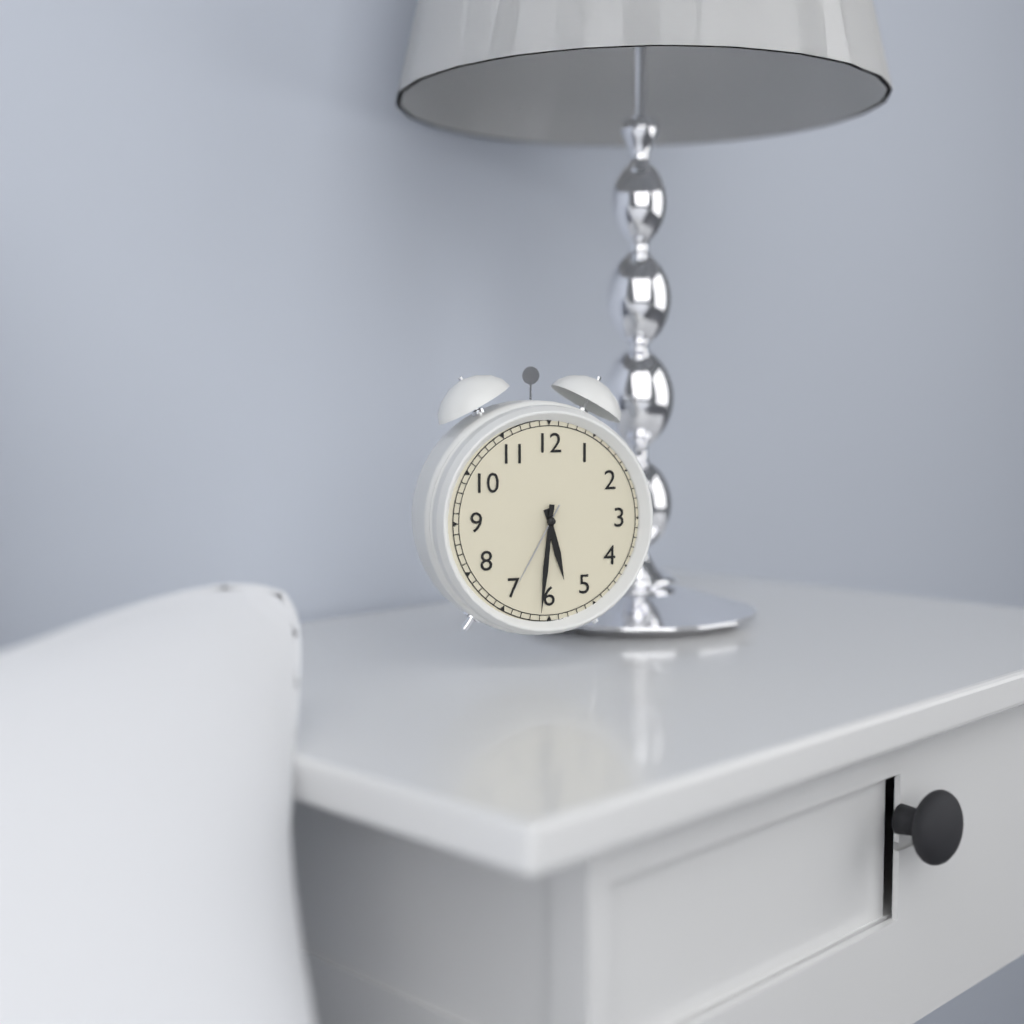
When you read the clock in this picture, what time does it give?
5:31:35
